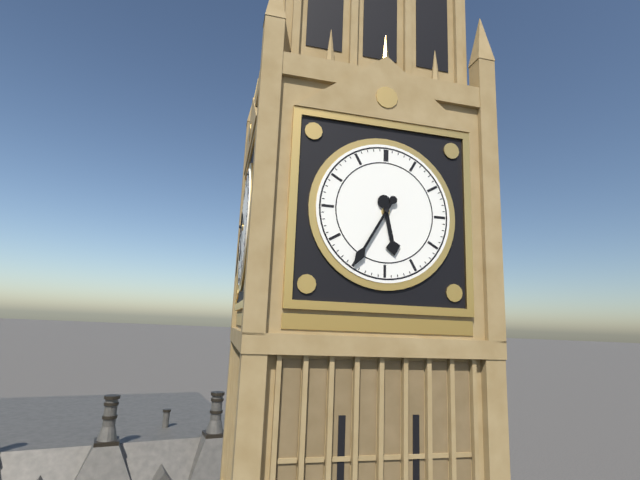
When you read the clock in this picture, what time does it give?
5:35
